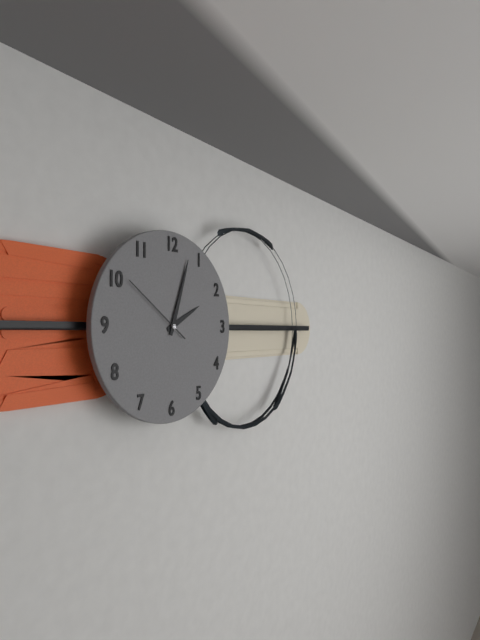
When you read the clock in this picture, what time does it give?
2:03:51
